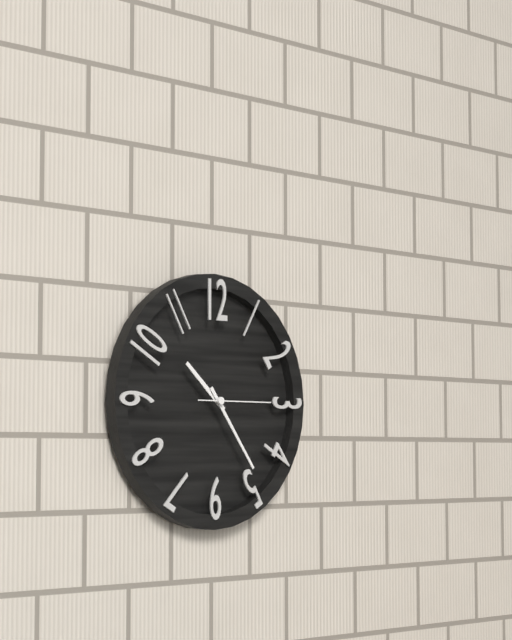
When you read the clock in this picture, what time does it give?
10:24:15
